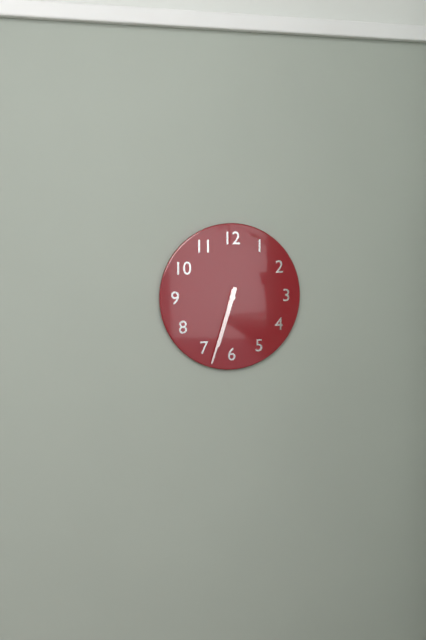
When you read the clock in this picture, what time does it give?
6:33
